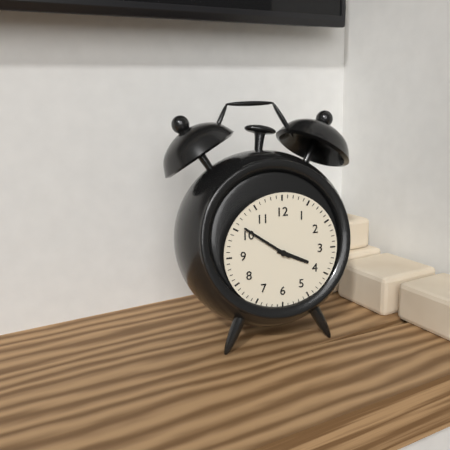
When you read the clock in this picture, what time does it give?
3:51
